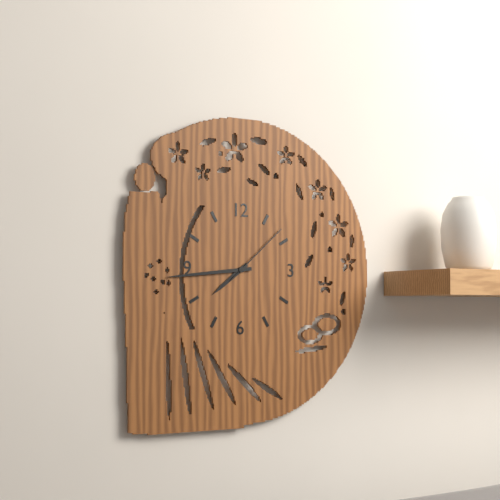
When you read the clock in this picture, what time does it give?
7:44:08
